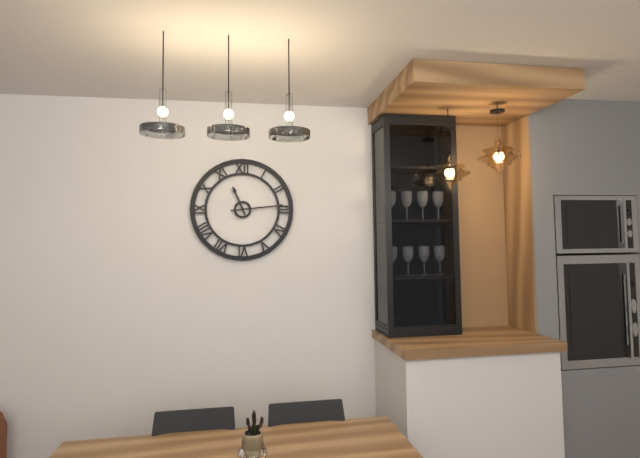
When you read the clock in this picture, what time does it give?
11:14
